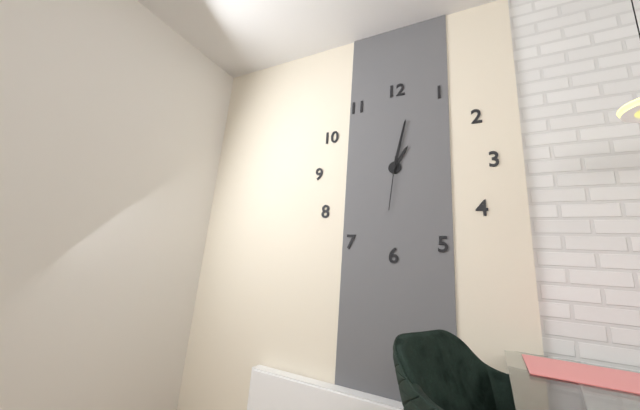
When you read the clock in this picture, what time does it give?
1:02:31
